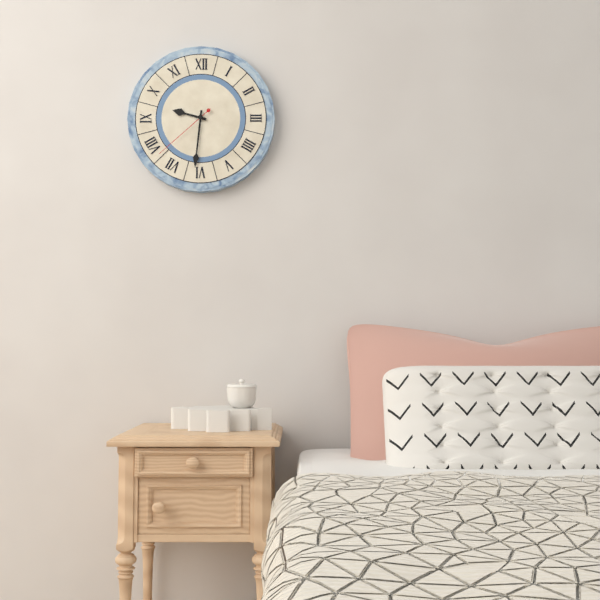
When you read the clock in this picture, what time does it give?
9:31:38
